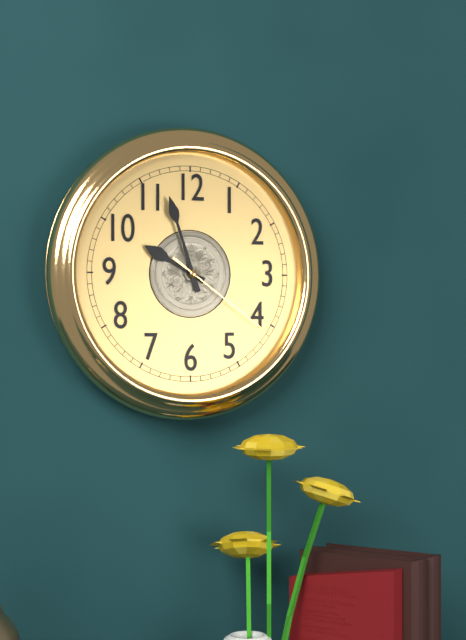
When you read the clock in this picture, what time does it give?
9:57:21
